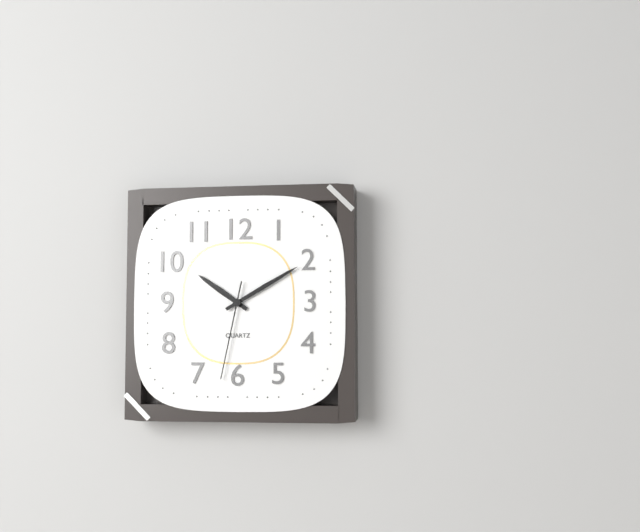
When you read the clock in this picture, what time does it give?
10:10:32
